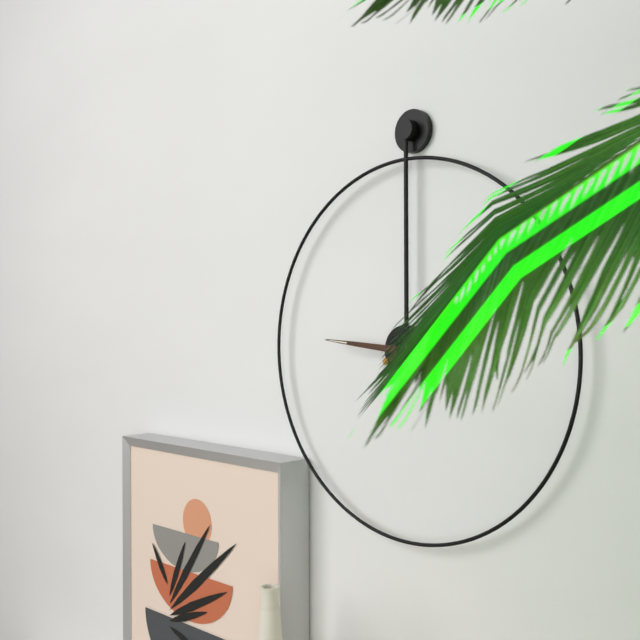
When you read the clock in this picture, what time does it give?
9:10
